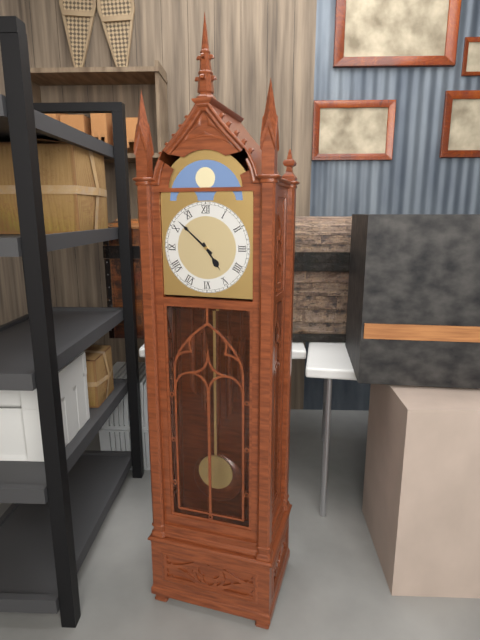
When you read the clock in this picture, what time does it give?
4:52
